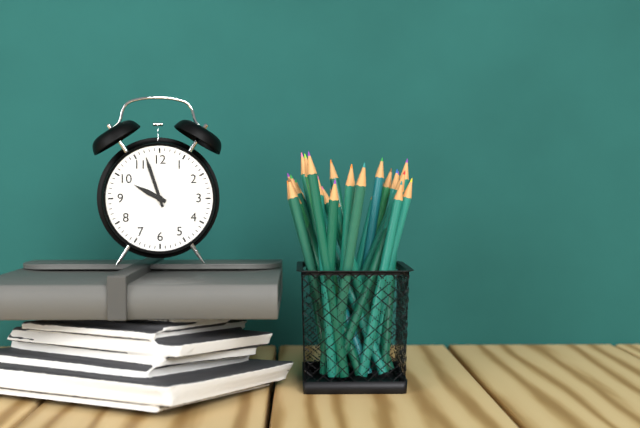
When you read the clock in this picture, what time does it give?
9:57
